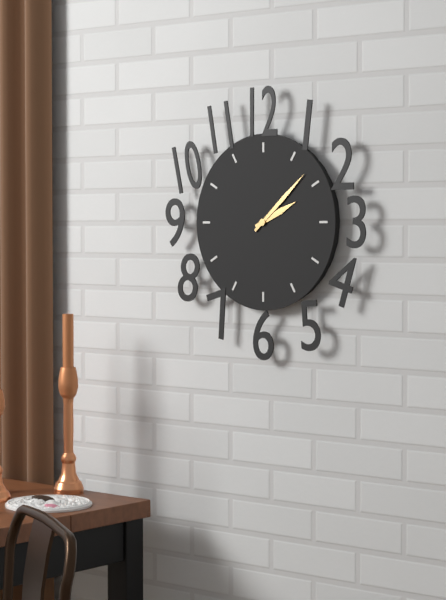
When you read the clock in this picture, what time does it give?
2:08
